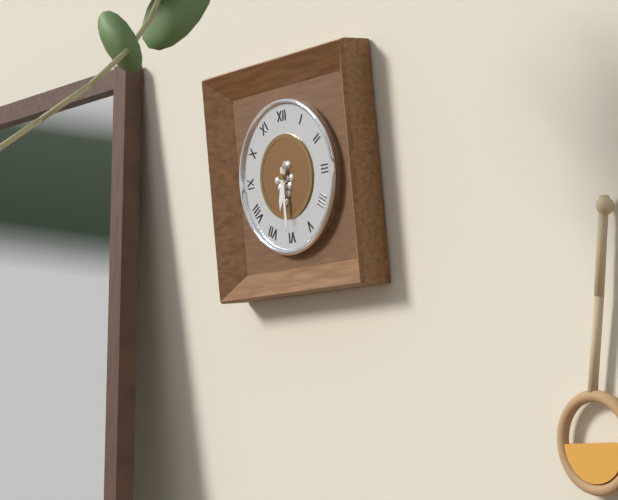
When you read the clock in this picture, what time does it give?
6:30
